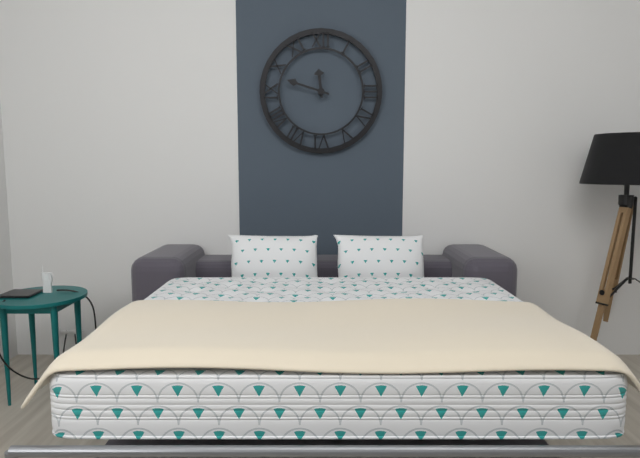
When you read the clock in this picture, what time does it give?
11:48
